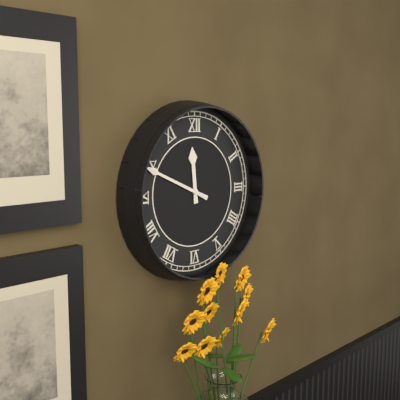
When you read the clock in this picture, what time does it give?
11:49
